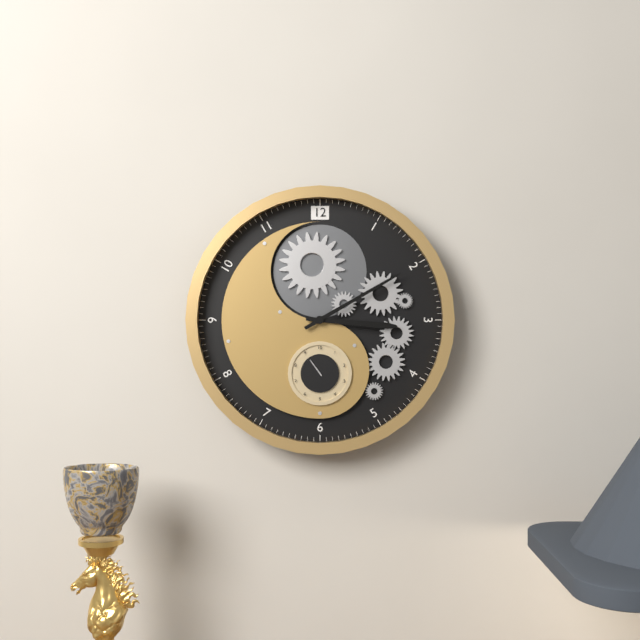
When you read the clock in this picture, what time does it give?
3:10
